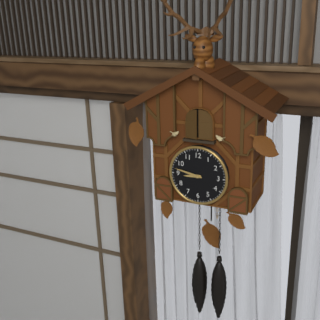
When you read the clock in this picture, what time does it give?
8:47
